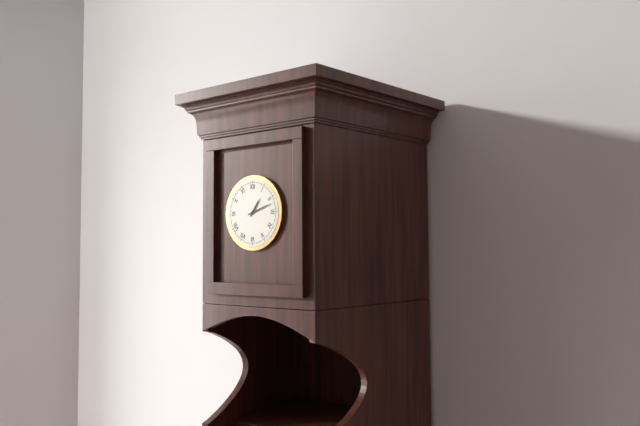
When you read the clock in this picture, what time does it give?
1:12
